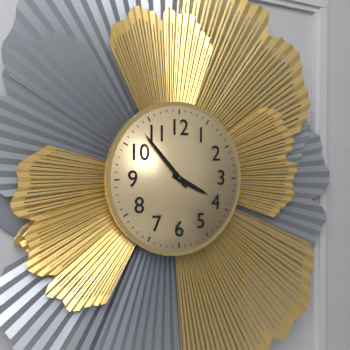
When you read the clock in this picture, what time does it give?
3:53
